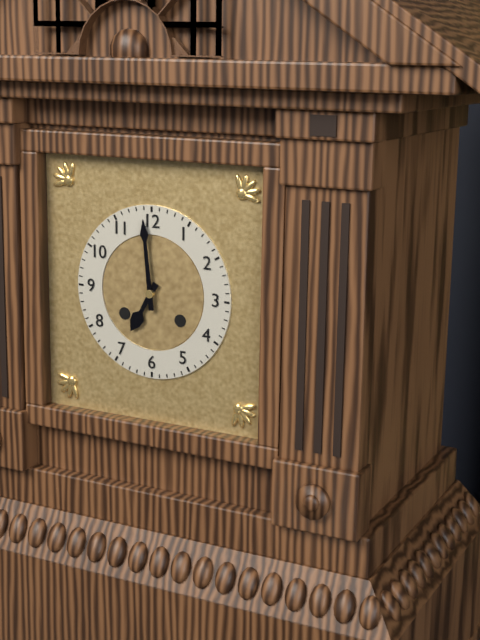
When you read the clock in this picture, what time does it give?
6:59
